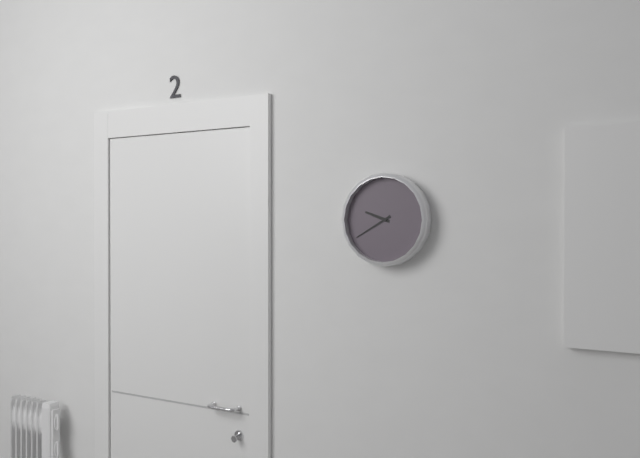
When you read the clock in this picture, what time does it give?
9:40
